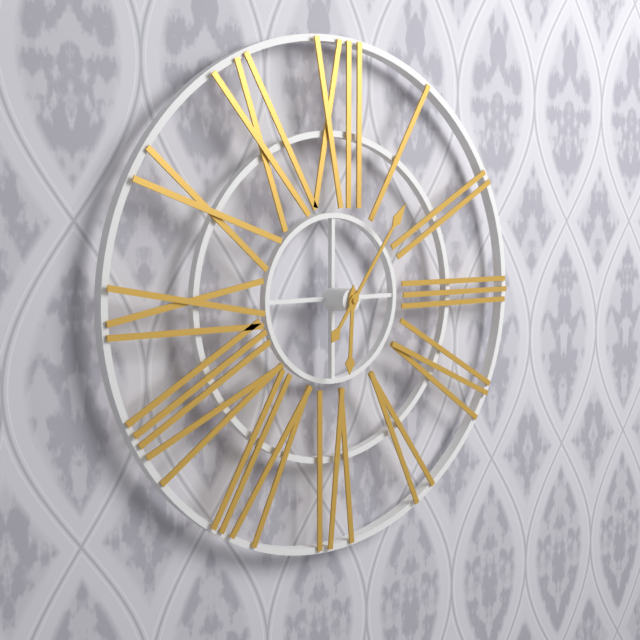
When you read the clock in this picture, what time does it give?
6:06
